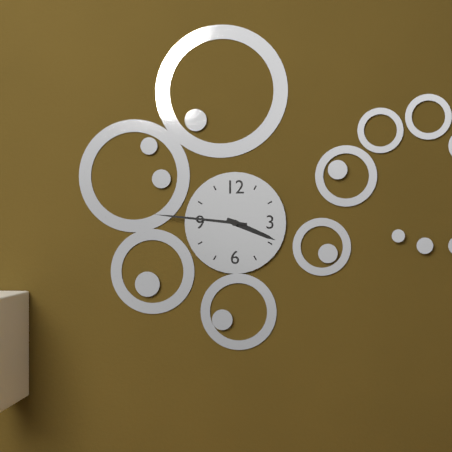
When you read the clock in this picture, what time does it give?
3:46
